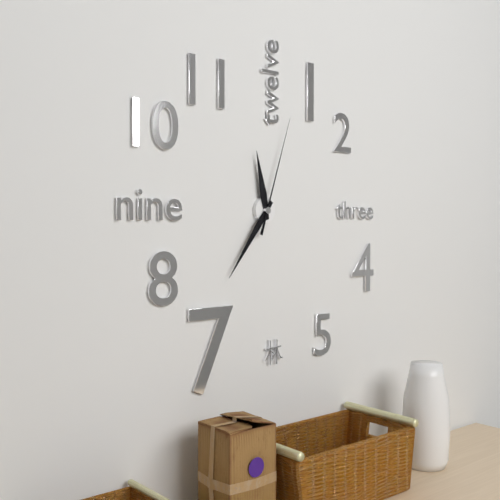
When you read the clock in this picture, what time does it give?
11:36:03
